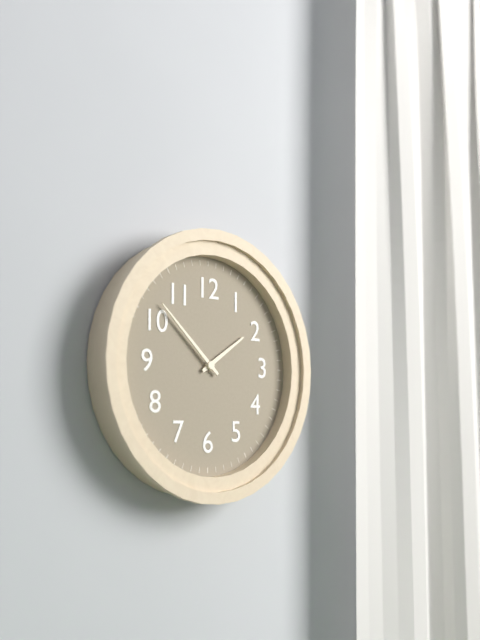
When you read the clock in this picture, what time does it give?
1:52
